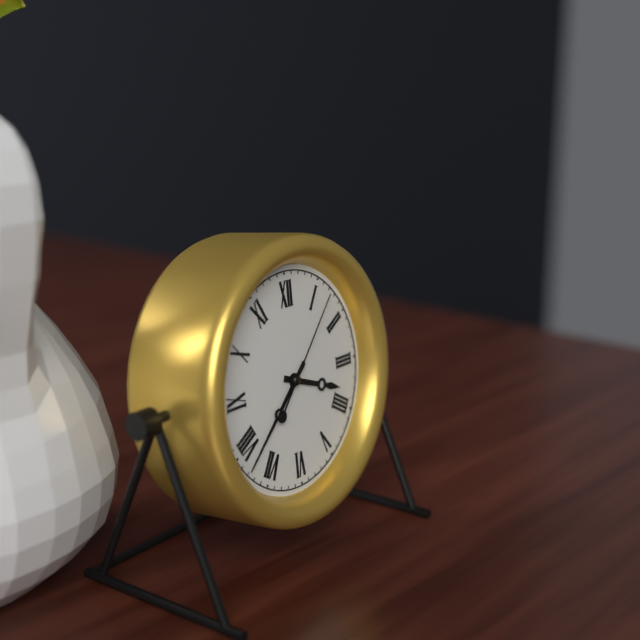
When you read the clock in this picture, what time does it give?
3:38:07
